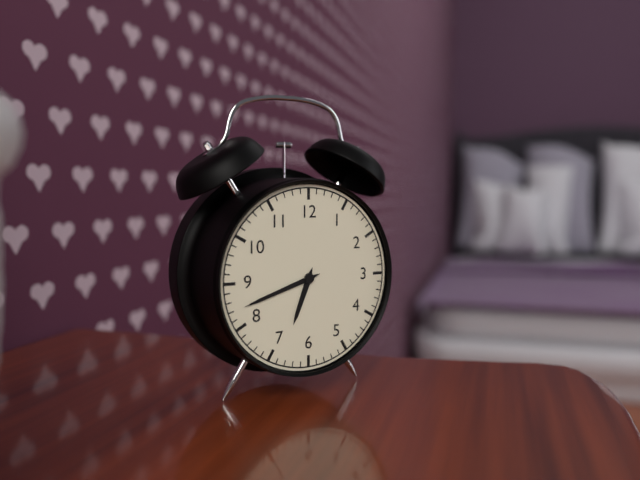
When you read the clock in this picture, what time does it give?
6:42
